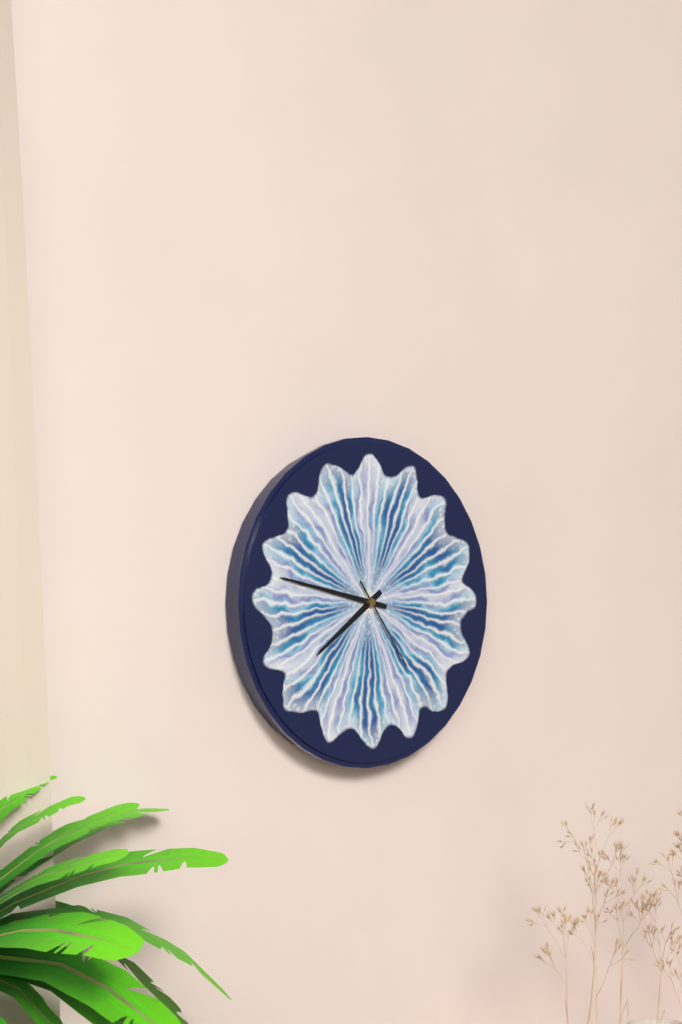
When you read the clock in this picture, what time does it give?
7:47:24
